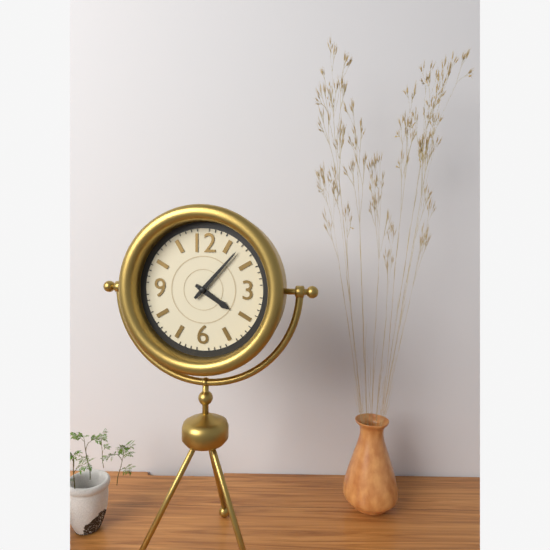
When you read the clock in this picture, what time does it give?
4:07
